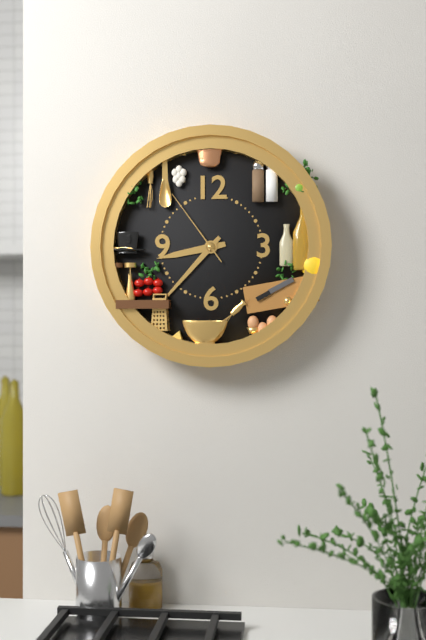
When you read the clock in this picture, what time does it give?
8:37:54
